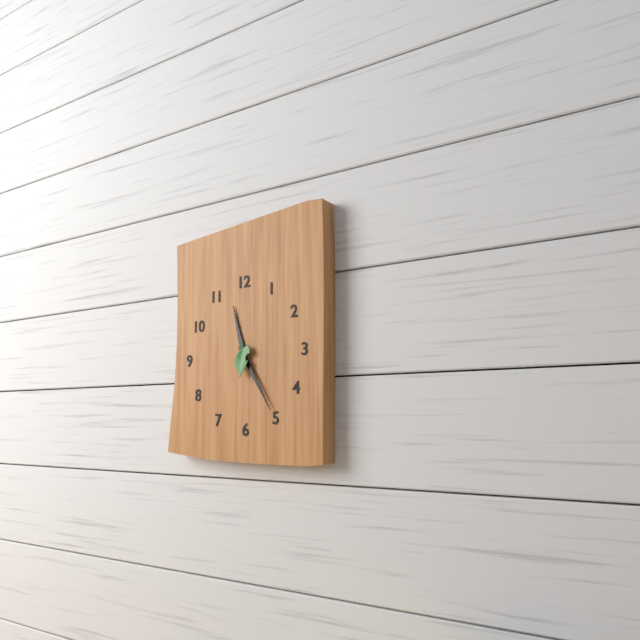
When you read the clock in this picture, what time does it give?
11:25
